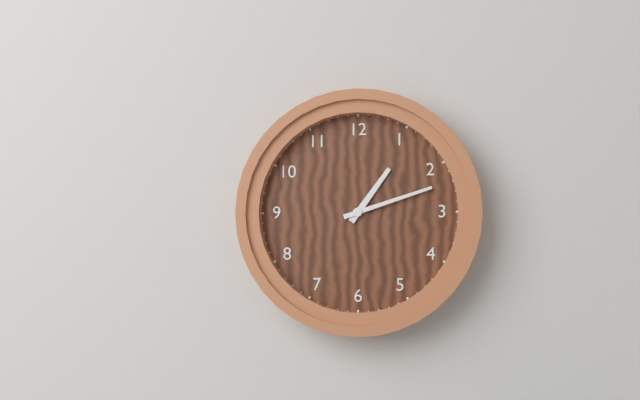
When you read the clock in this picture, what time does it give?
1:12
